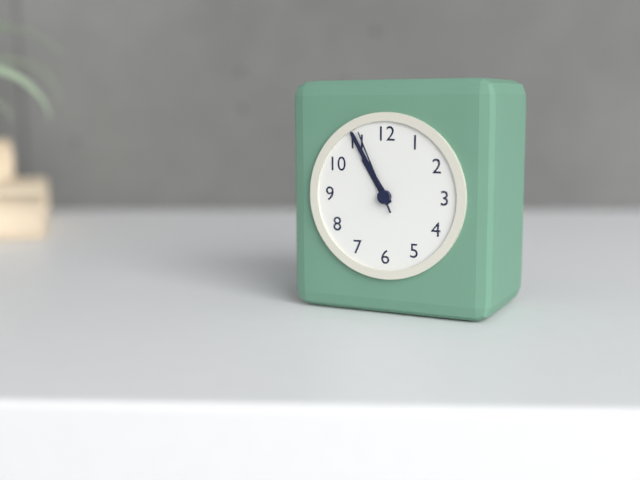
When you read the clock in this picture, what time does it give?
10:55:56
